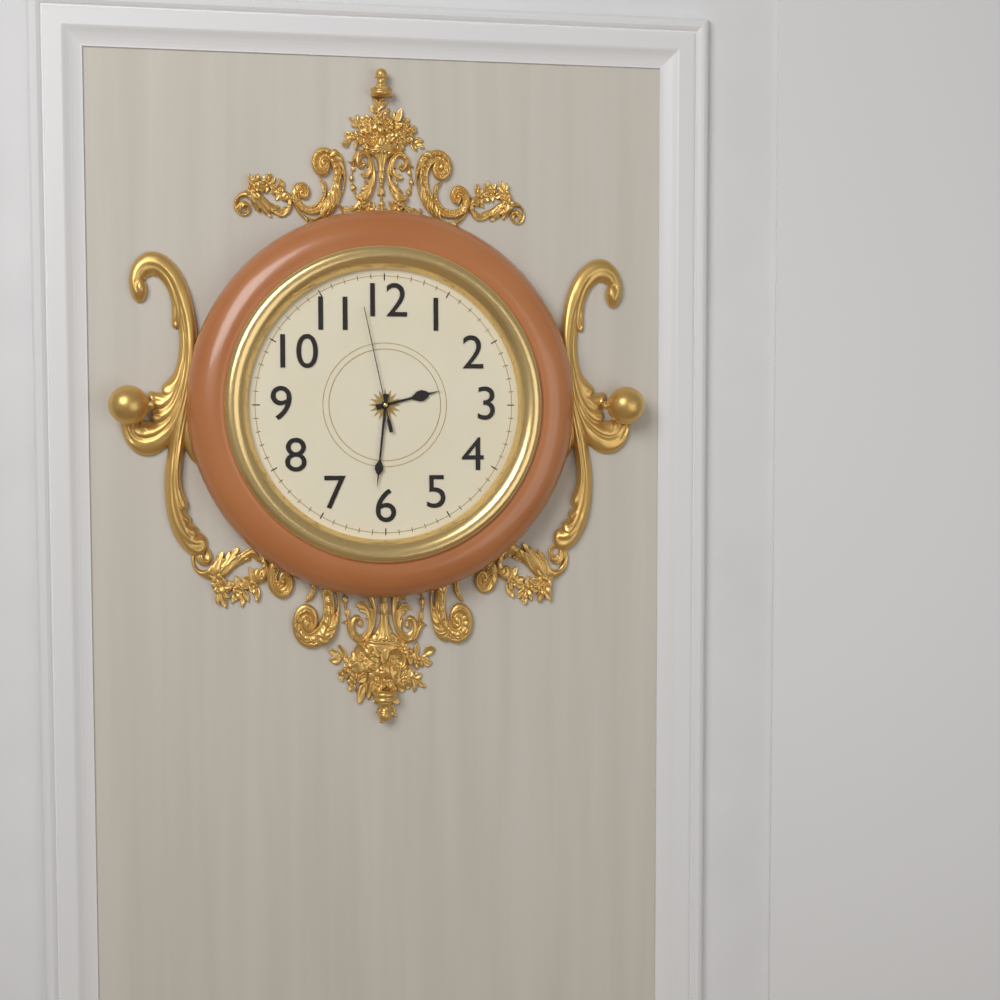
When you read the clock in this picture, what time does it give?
2:31:58
